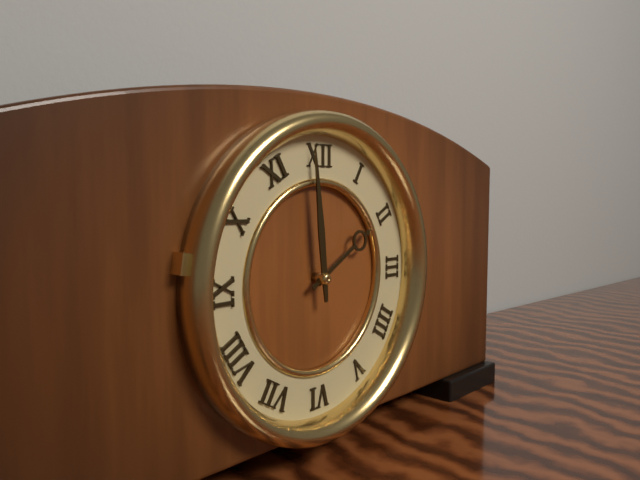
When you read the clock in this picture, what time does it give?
1:59
